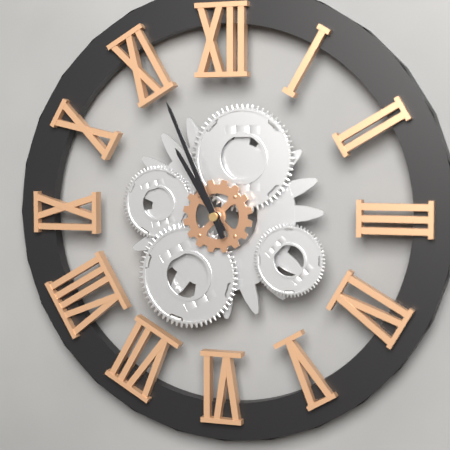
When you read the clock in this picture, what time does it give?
10:56
